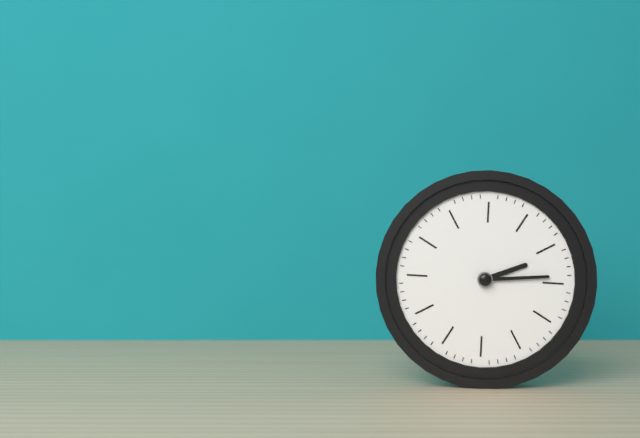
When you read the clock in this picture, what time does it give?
2:14
